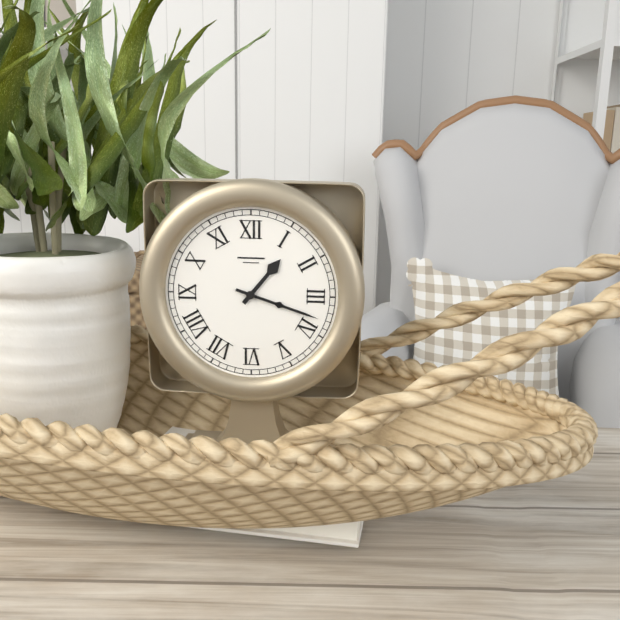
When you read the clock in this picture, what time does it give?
1:18
